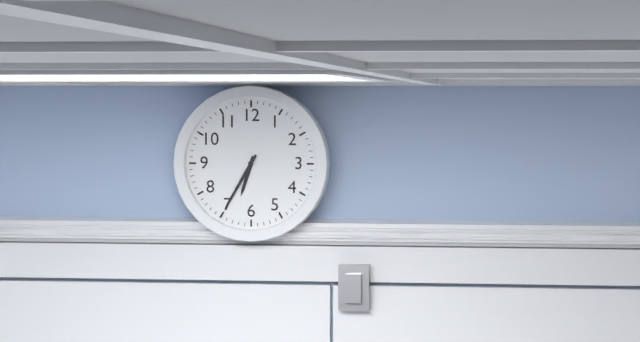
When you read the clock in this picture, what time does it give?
6:35
